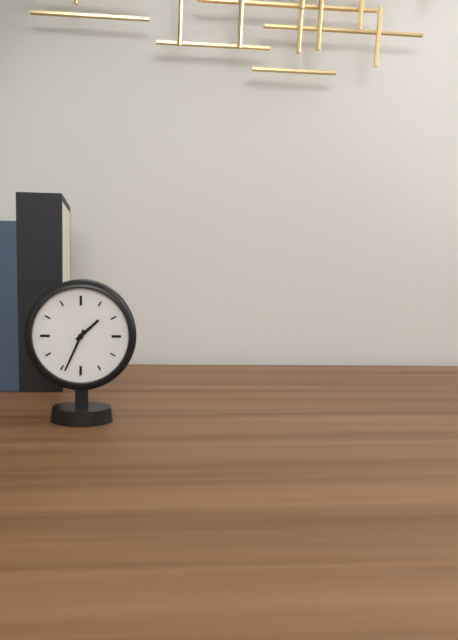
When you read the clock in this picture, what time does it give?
1:34
